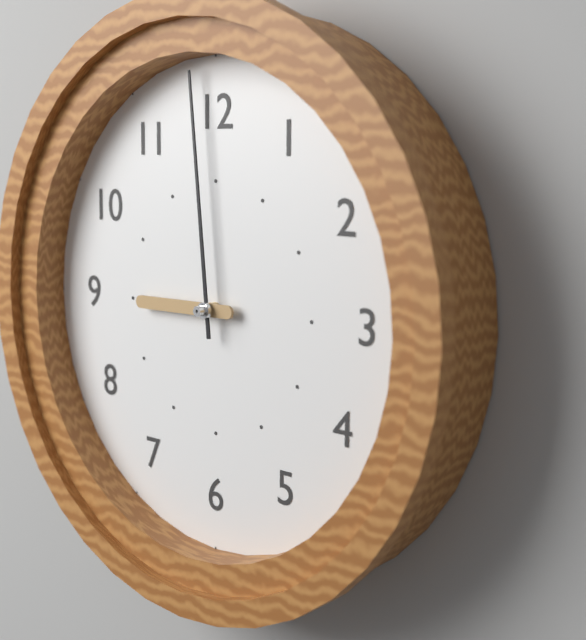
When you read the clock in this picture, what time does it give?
8:59
